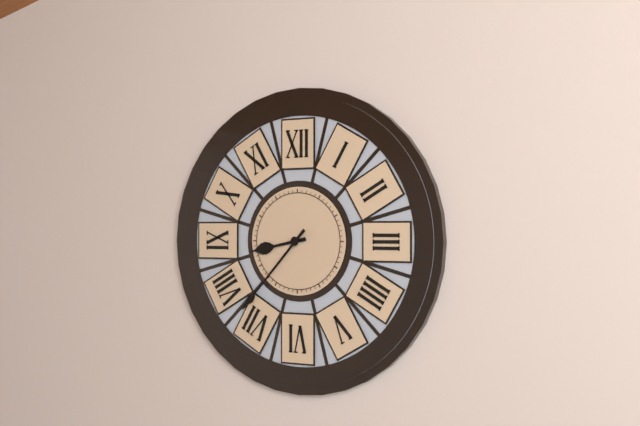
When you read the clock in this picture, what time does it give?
8:37
